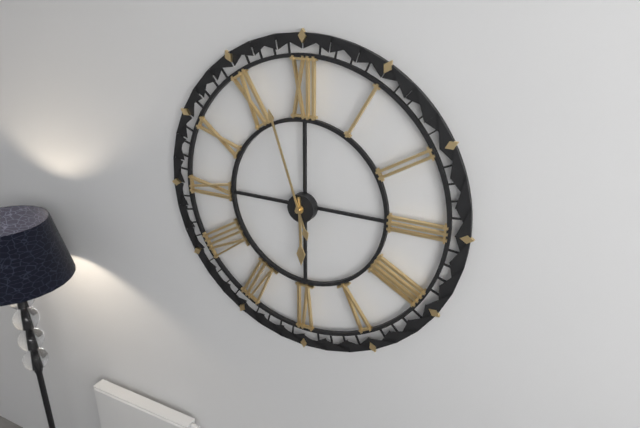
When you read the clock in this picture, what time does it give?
5:57
